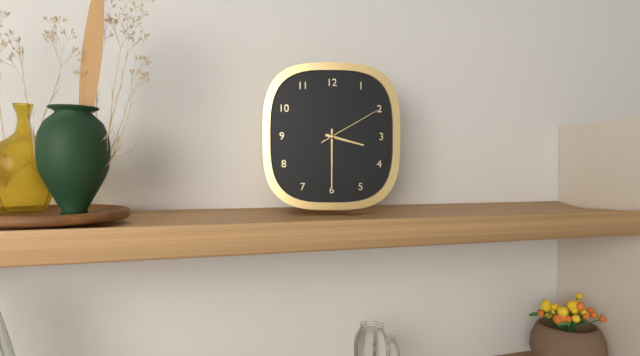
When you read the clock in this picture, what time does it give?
3:30:10
